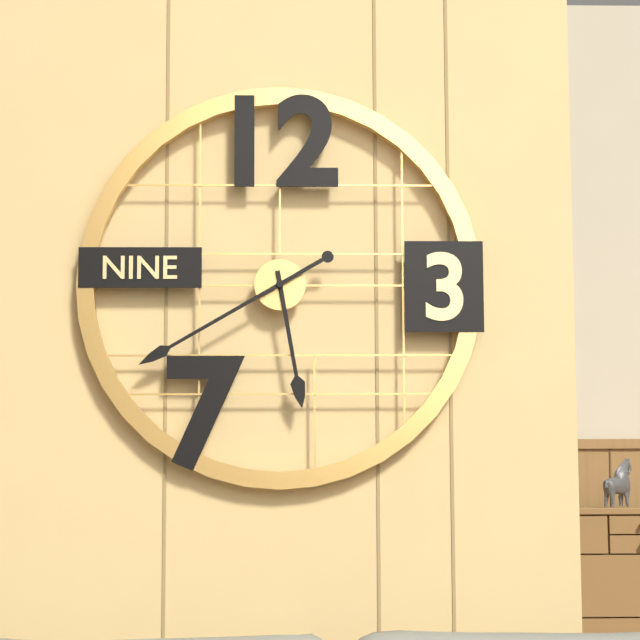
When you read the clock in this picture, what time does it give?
5:40
